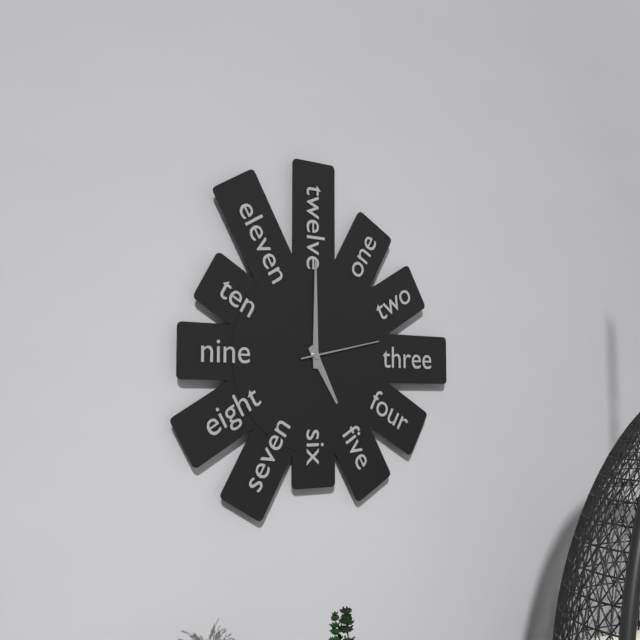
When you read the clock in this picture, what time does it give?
5:00:13
